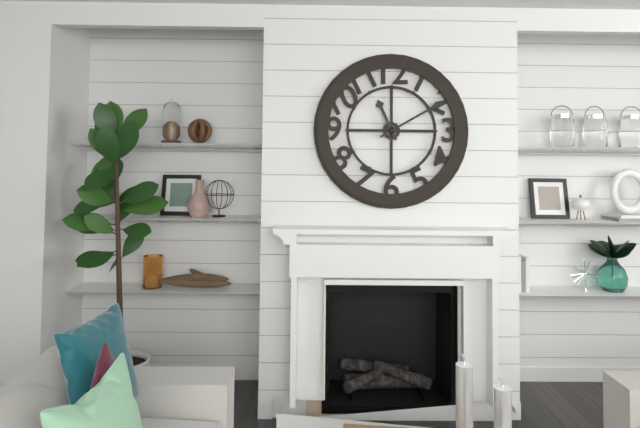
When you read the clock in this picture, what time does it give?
11:10
